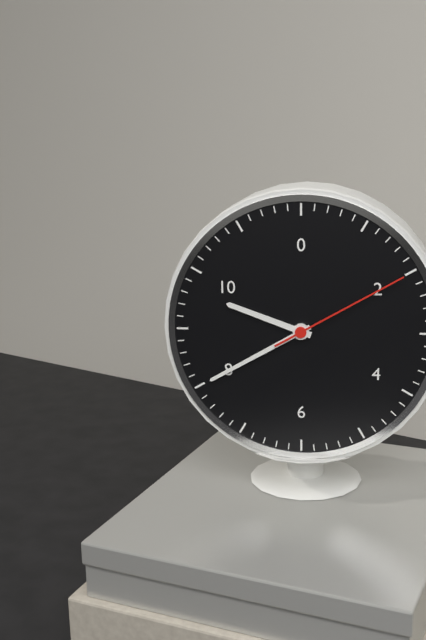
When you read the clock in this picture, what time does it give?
9:40:10
